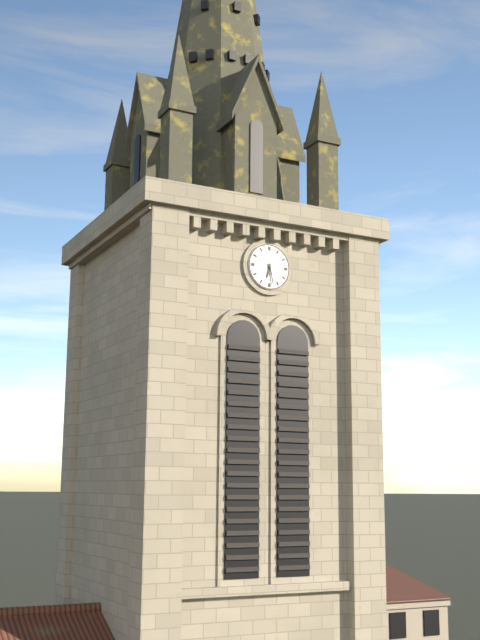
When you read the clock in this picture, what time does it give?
6:28
